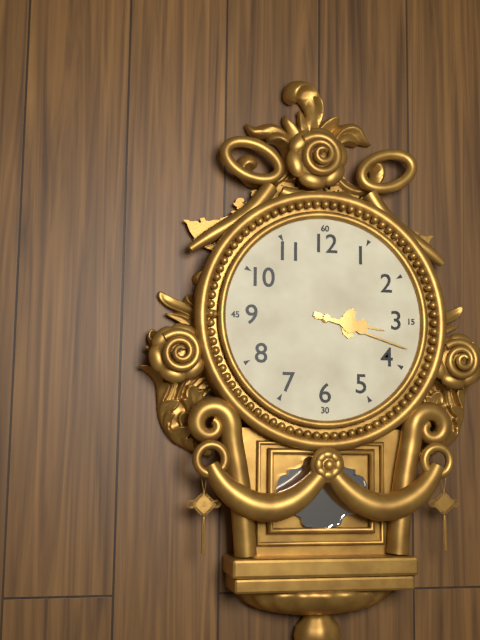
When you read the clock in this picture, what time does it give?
3:18
